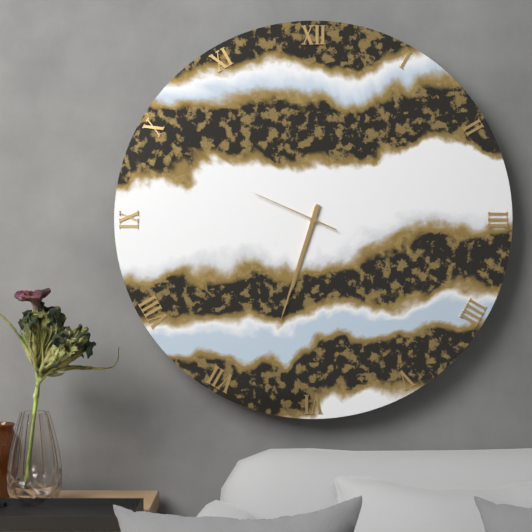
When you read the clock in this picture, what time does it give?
6:33:49
